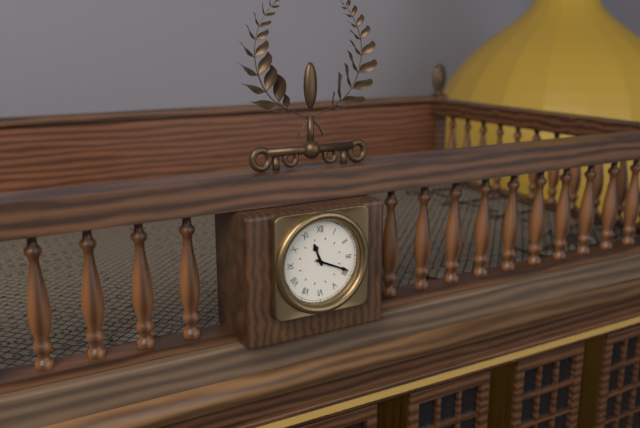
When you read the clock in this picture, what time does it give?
11:19
